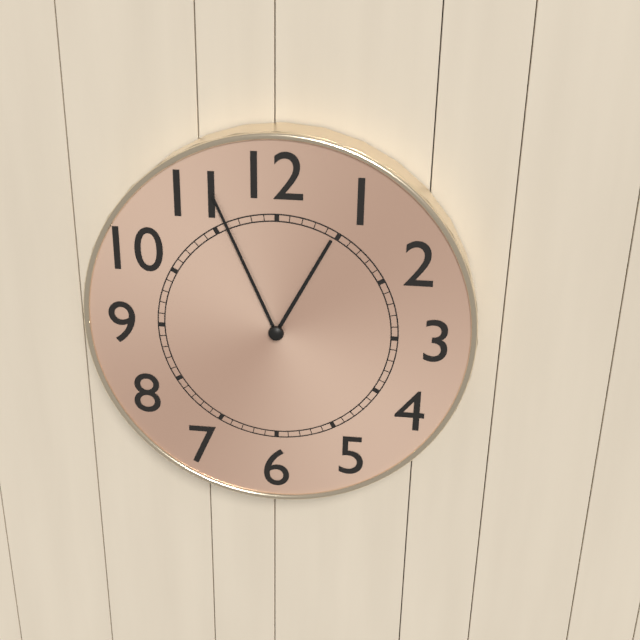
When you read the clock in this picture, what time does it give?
12:56
